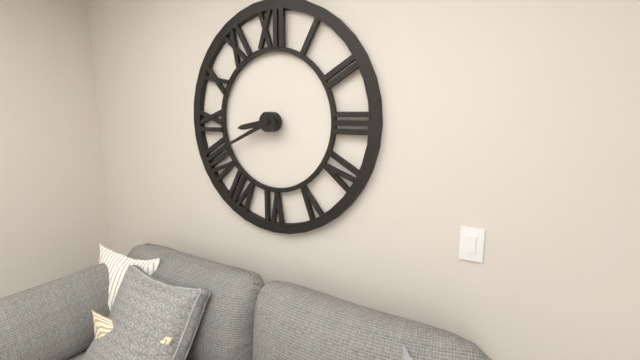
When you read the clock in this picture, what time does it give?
8:41
